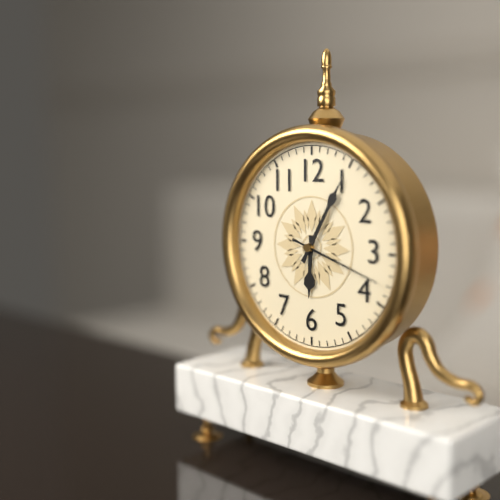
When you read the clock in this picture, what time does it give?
6:05:18
